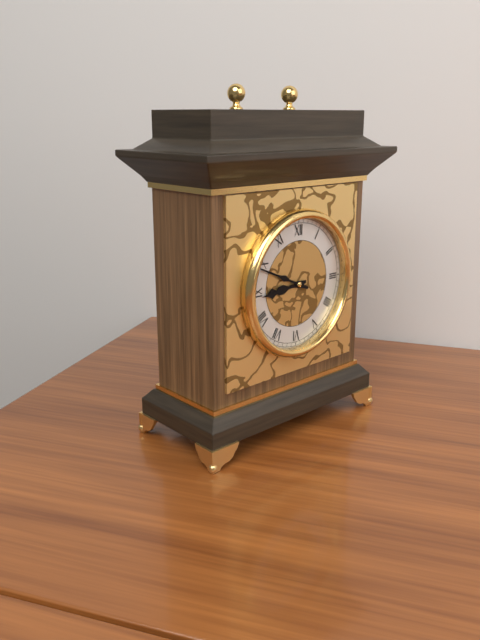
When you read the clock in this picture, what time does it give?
8:49
